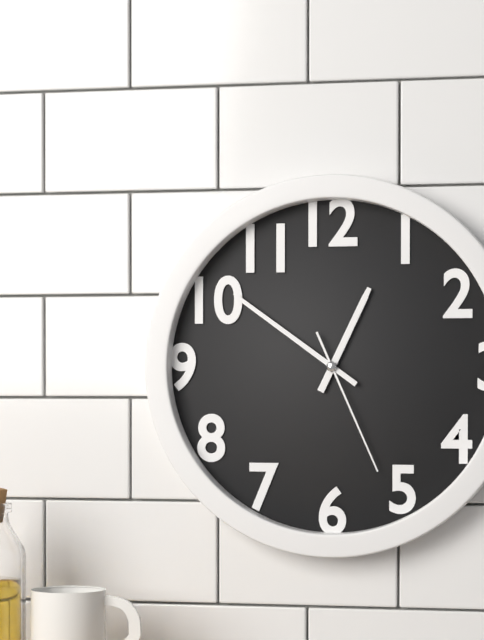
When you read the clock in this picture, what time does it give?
12:51:26
